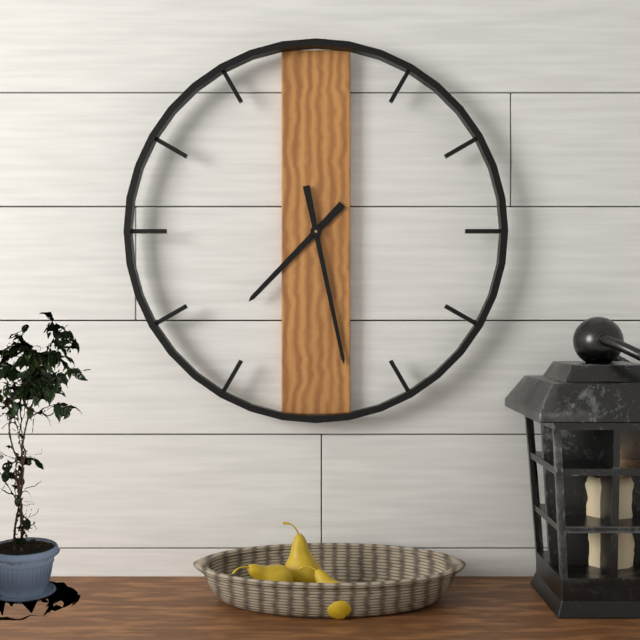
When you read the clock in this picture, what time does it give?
7:28
